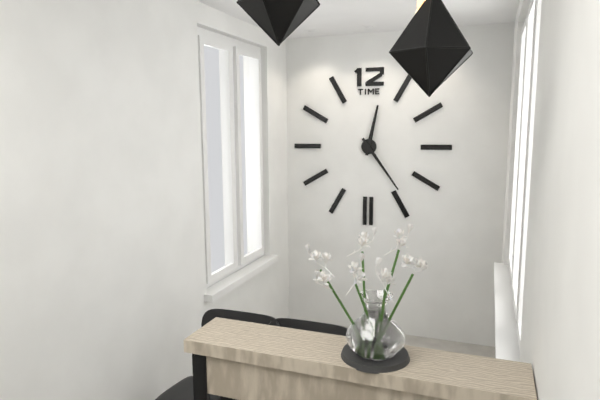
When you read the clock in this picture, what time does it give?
12:24
